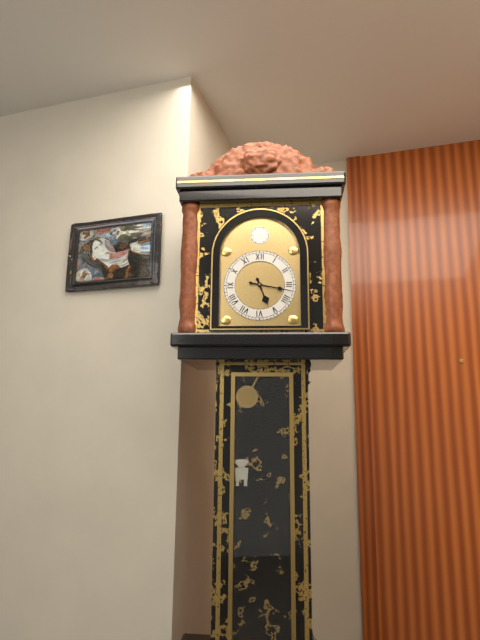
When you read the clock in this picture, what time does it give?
5:17
